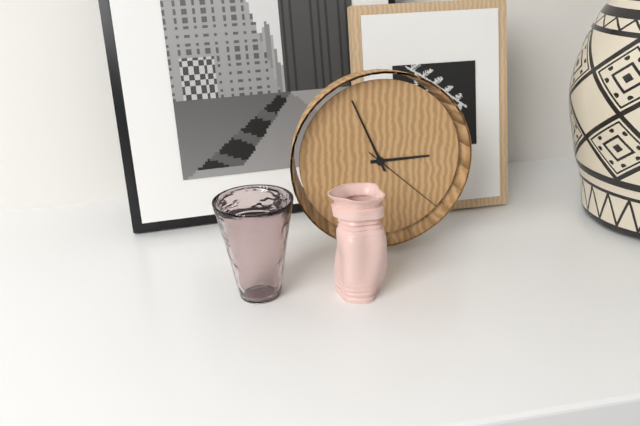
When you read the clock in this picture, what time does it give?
2:56:22
